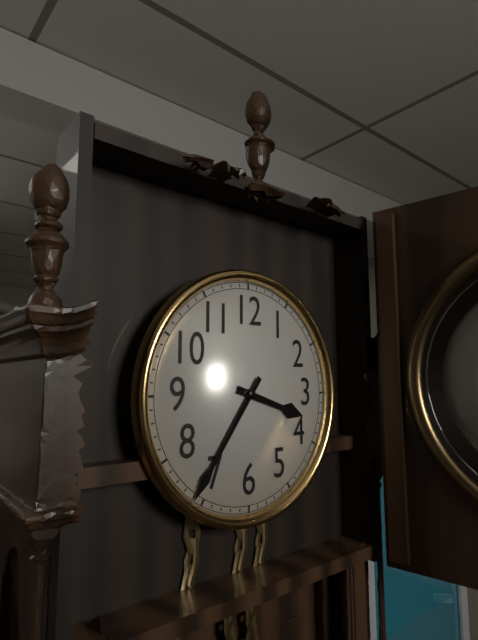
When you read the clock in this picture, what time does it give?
3:36
